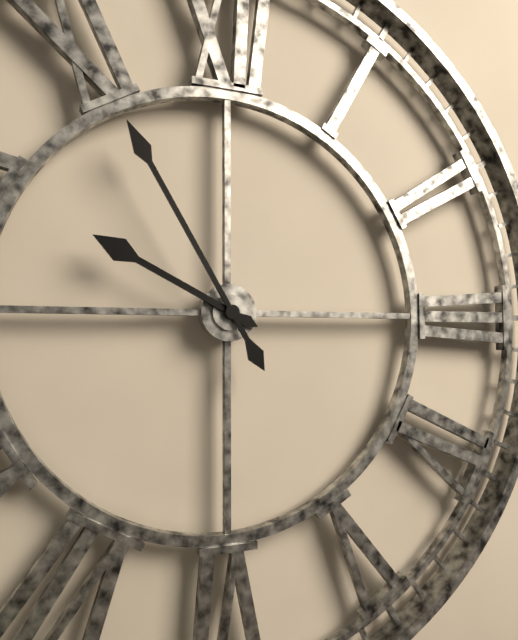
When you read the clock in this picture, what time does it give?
9:55
